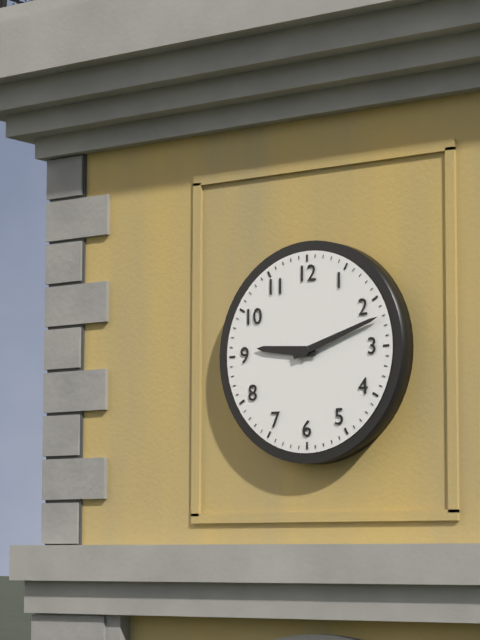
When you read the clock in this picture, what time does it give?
9:12
